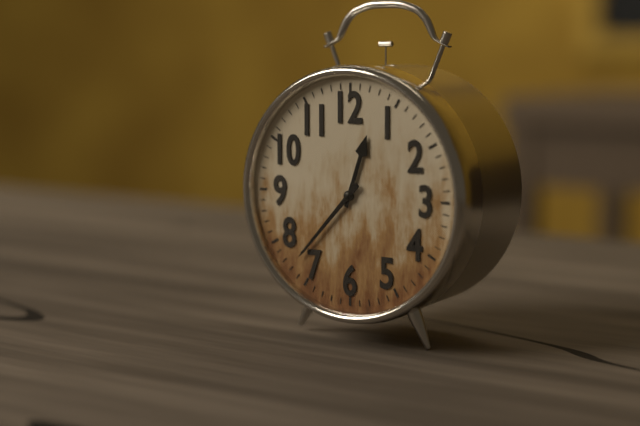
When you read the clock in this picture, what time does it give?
12:37
